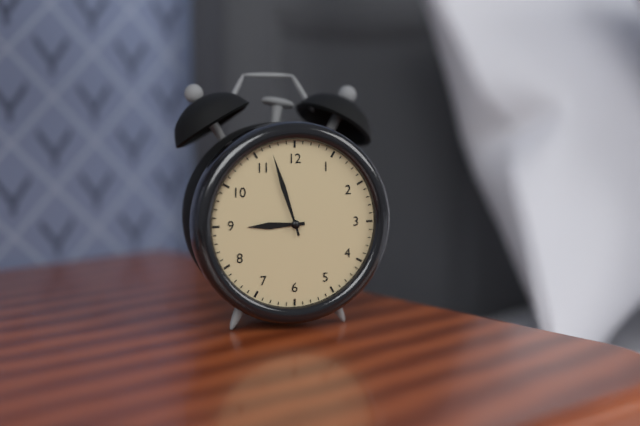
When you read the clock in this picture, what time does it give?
8:57
